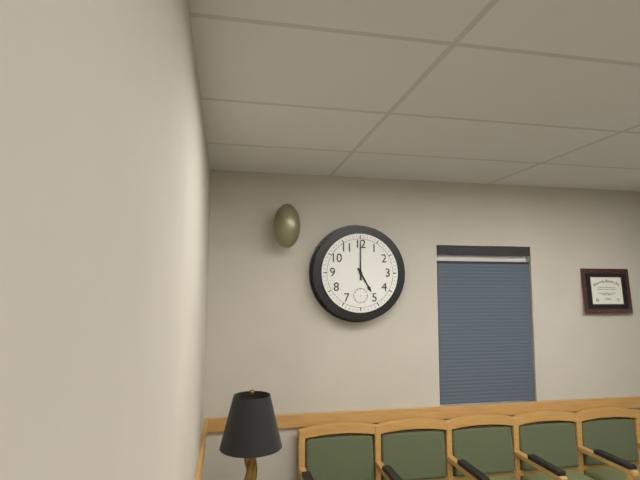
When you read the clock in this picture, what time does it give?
5:00
